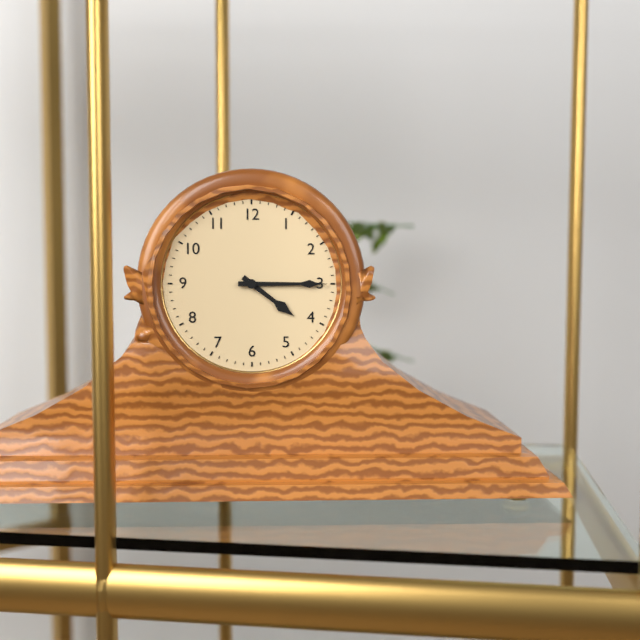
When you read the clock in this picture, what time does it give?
4:15
